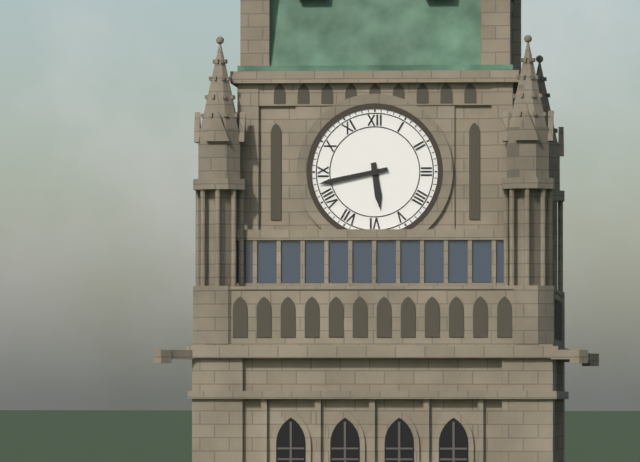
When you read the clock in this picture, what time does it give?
5:43
